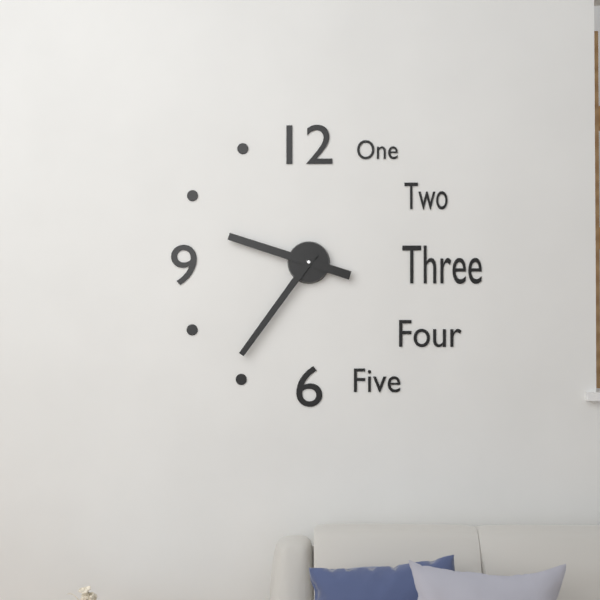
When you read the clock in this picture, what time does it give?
9:36
